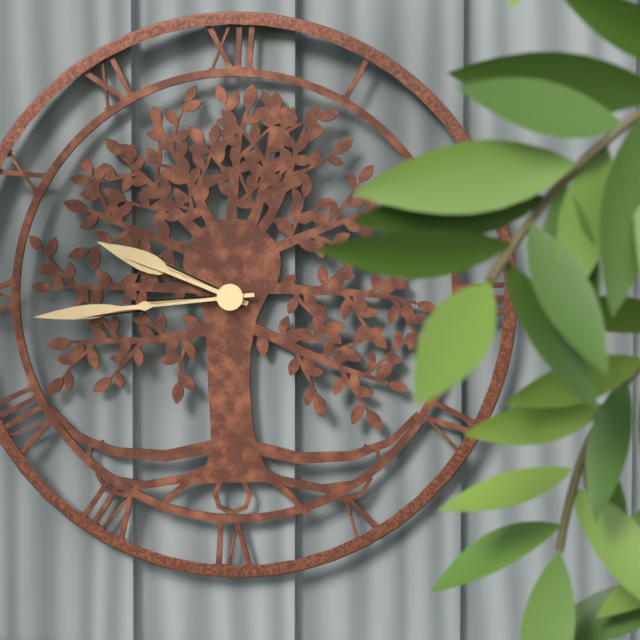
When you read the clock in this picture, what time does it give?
9:44
